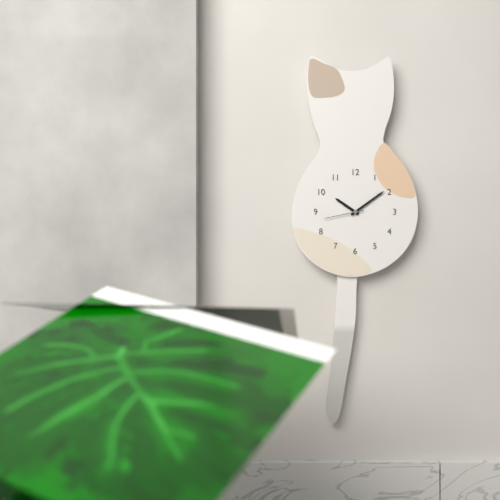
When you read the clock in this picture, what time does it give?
10:09
